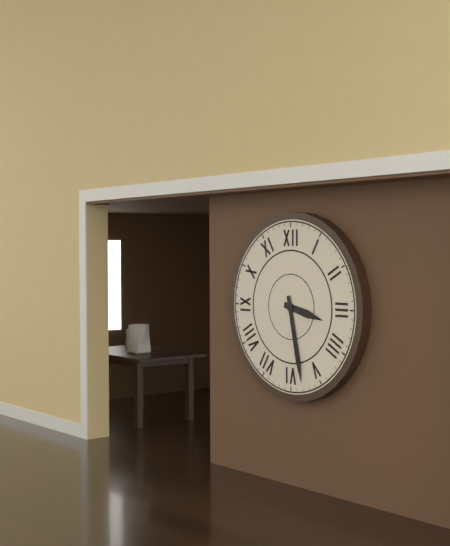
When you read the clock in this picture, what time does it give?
3:28
